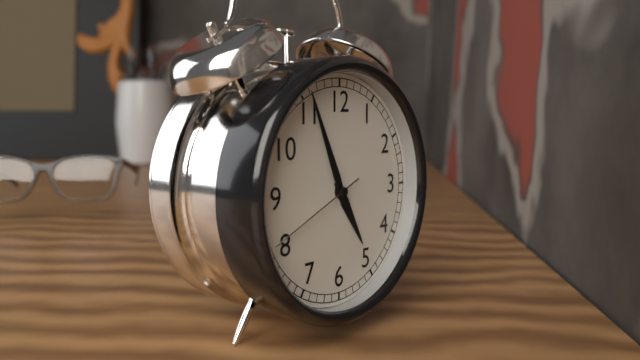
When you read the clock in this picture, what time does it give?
4:56:41
